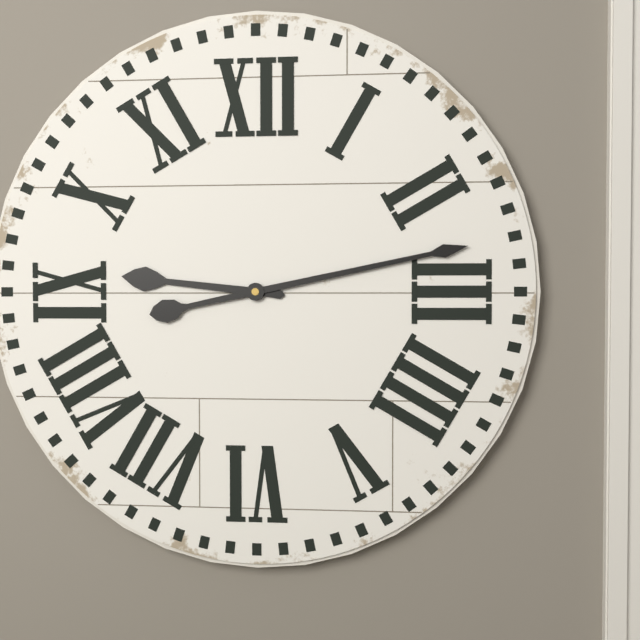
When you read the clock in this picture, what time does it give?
9:13
